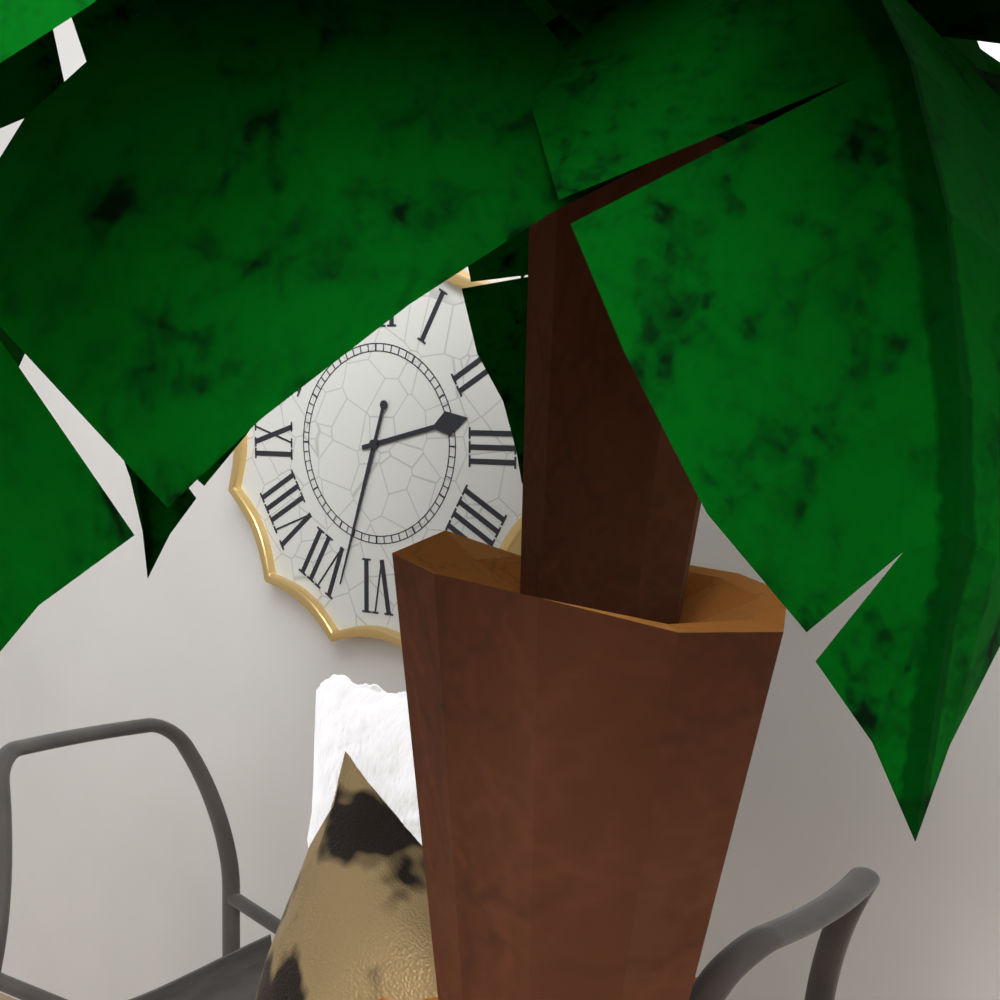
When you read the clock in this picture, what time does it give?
2:33
